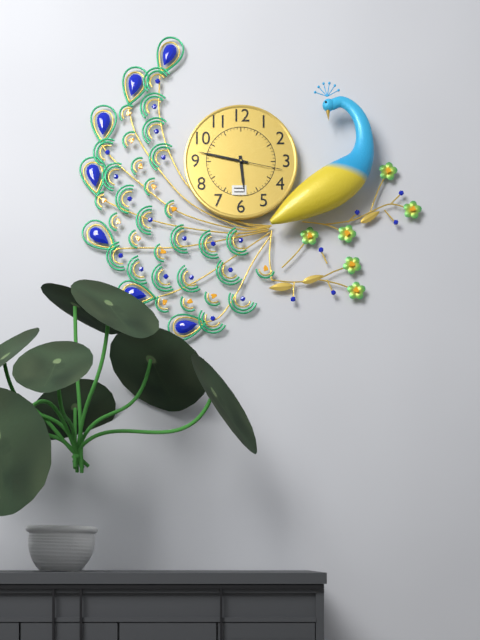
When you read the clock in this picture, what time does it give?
5:47:17
